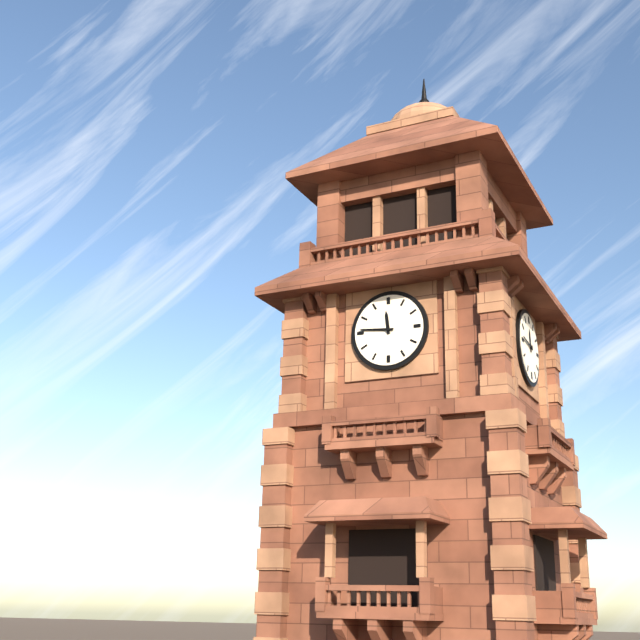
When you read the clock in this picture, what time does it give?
11:46
